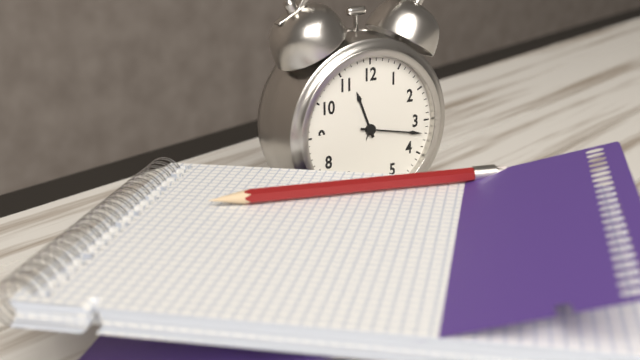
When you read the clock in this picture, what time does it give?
11:17
